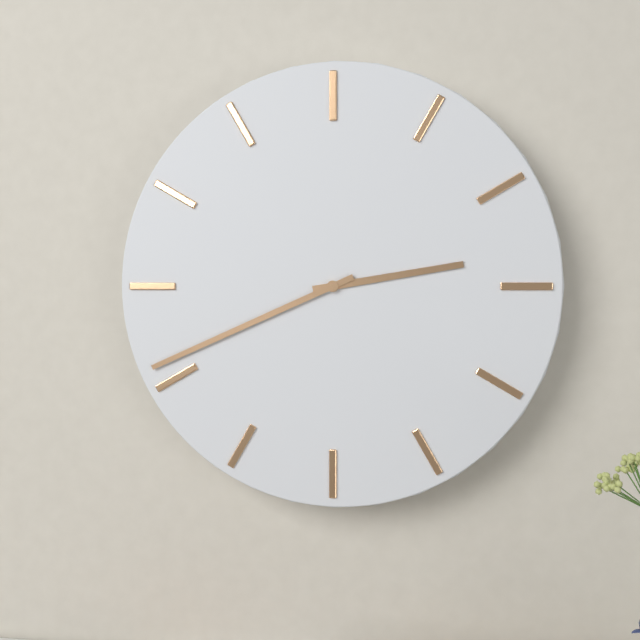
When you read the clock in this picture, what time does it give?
2:41
